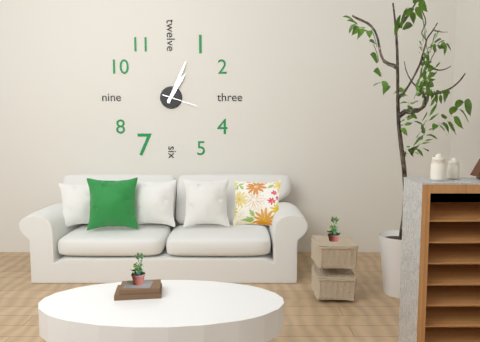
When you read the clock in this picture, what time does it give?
1:04
